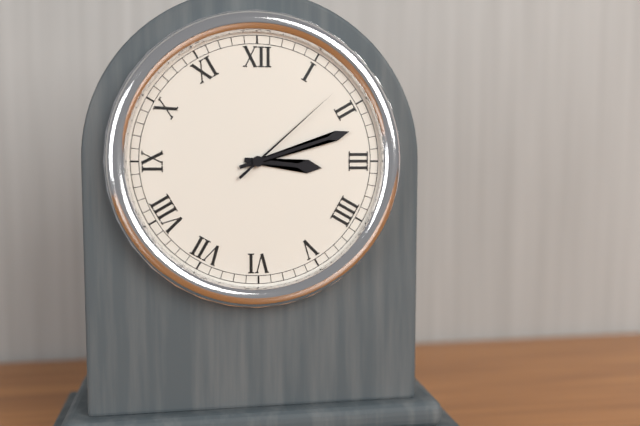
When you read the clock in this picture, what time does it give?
3:12:08
